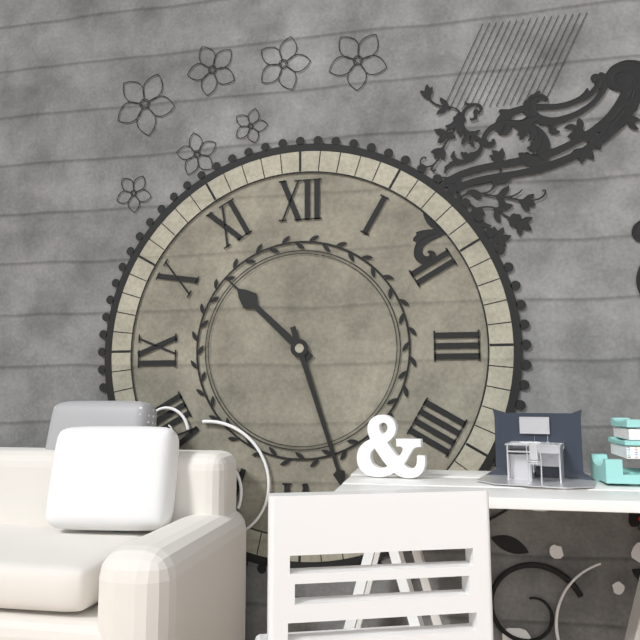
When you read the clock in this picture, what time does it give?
10:27
